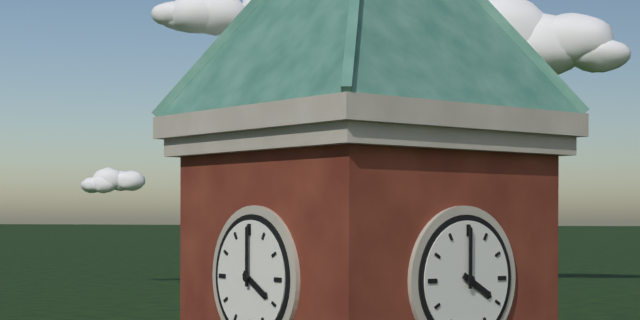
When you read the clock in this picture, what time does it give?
4:00
